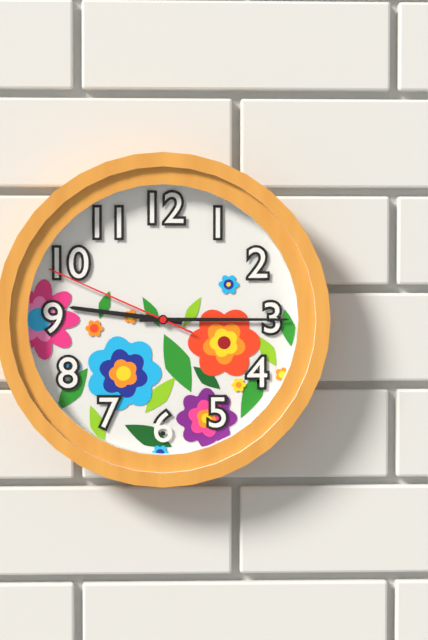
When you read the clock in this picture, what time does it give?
9:15:49
